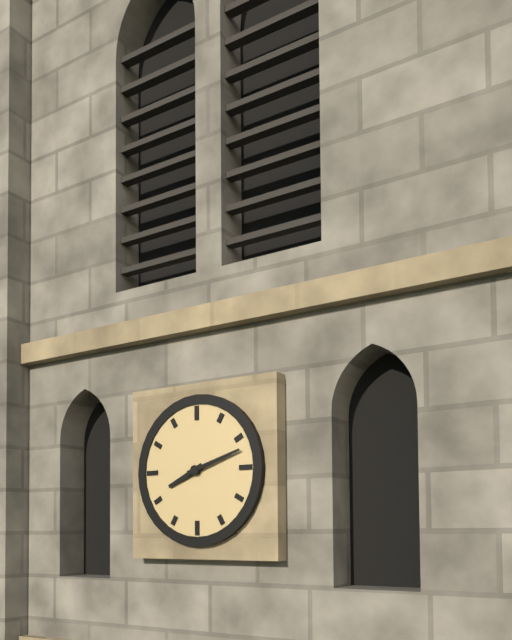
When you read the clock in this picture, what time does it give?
8:12
